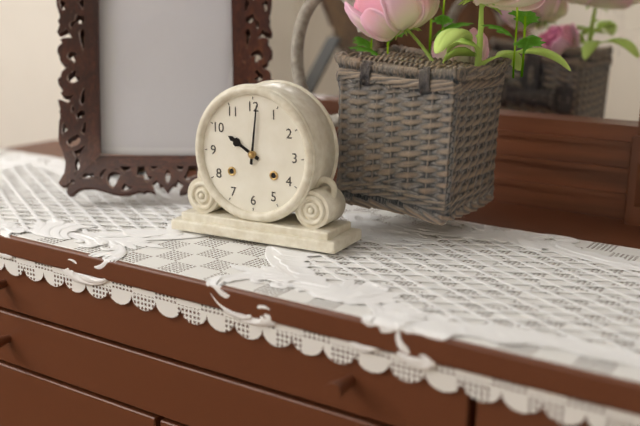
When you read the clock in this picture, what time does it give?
10:01
